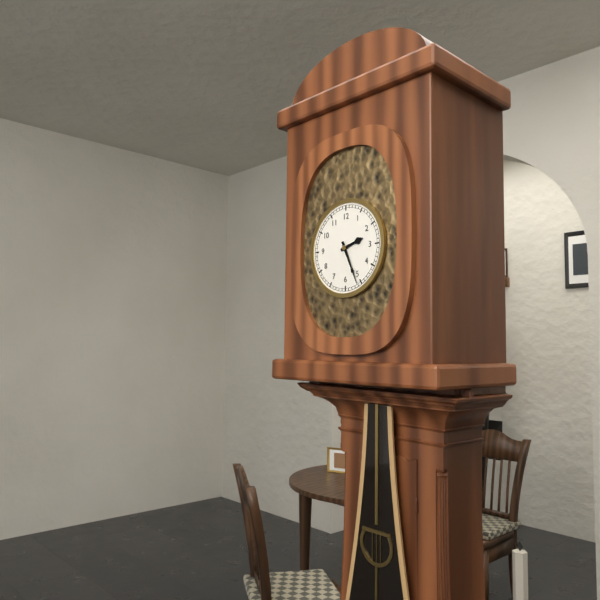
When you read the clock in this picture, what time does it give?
2:26
